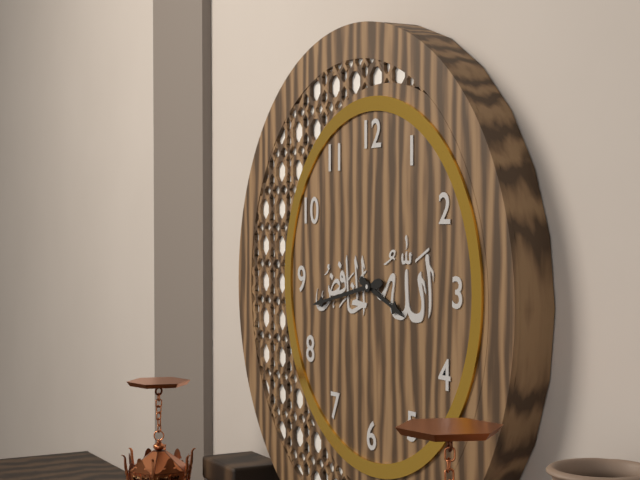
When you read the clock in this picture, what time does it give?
3:43
